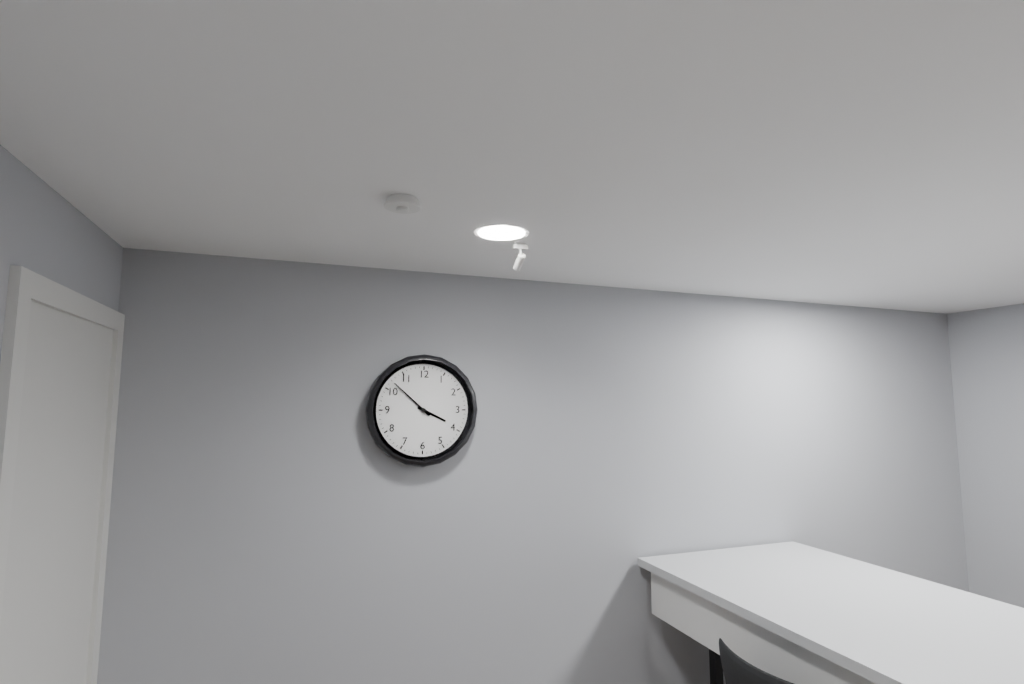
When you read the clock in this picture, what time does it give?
3:52
